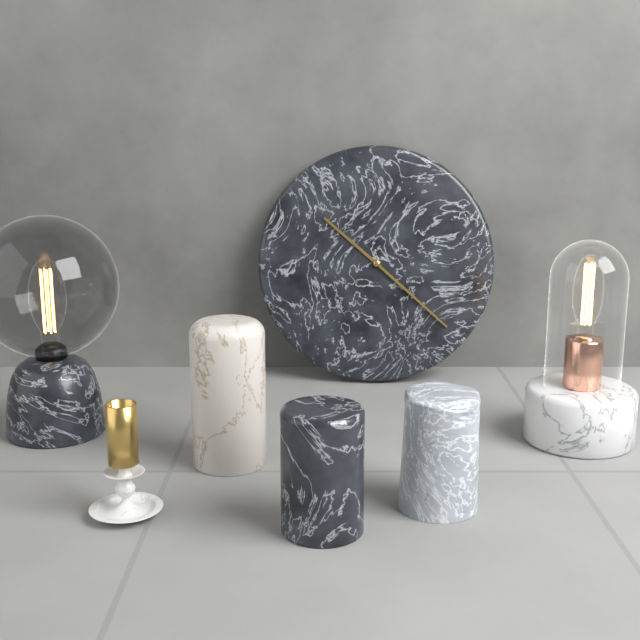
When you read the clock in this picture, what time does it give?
10:22
